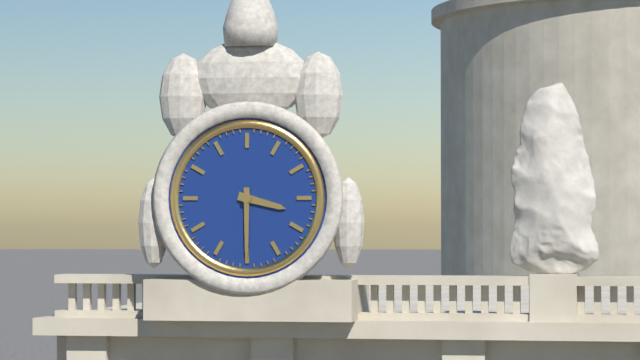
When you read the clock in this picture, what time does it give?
3:30
